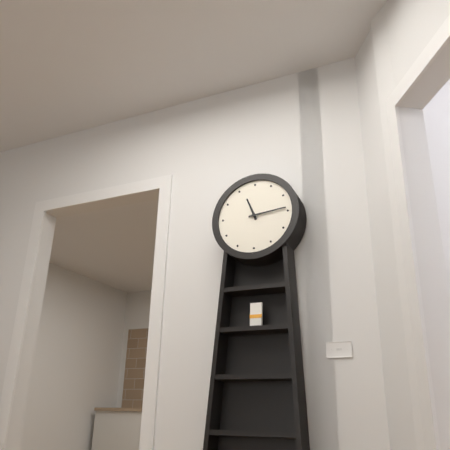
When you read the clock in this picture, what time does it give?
11:14
